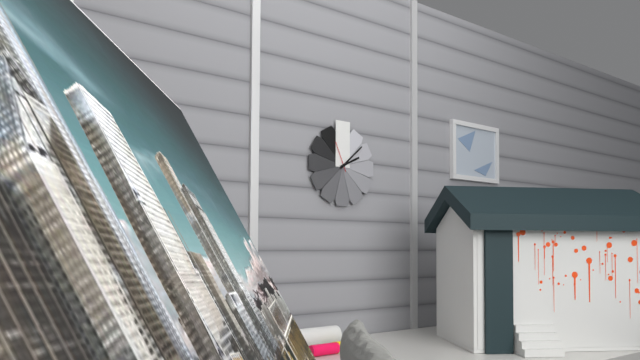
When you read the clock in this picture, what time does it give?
2:08
